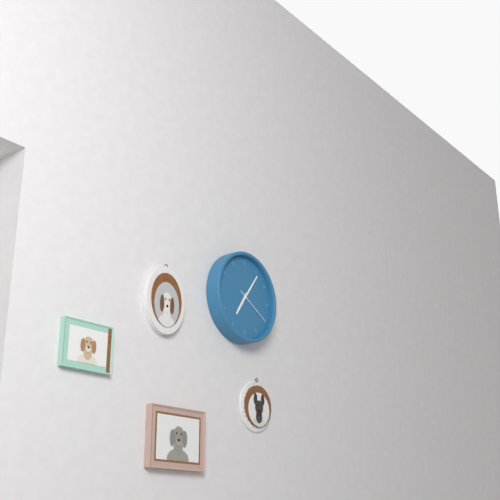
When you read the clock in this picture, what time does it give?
7:06
